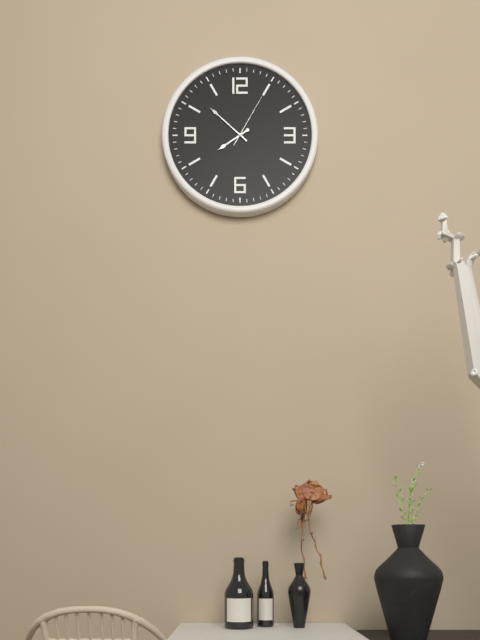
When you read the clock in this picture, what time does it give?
7:52:05
